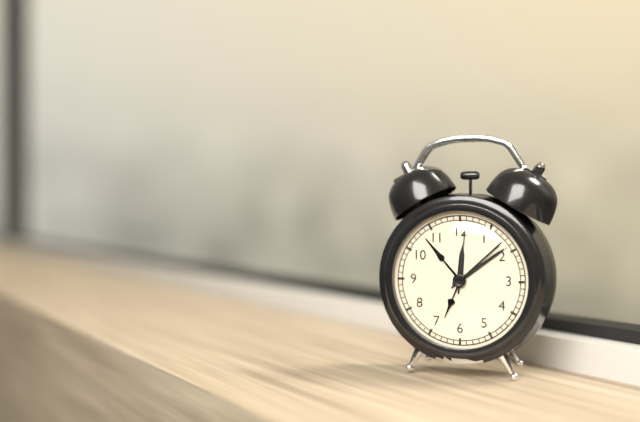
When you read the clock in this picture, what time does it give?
12:09:01
